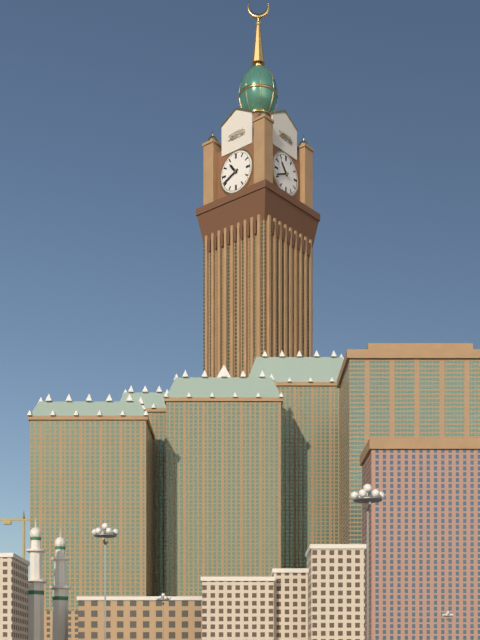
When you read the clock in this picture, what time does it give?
10:41
